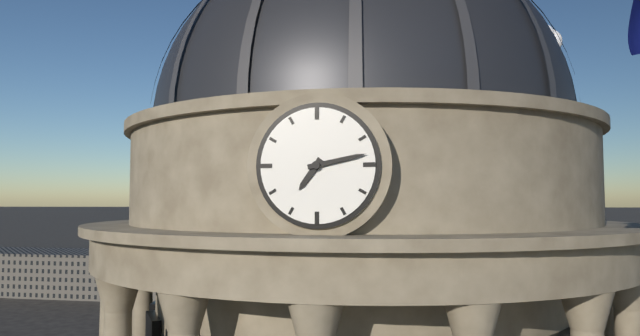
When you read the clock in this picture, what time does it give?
7:13
